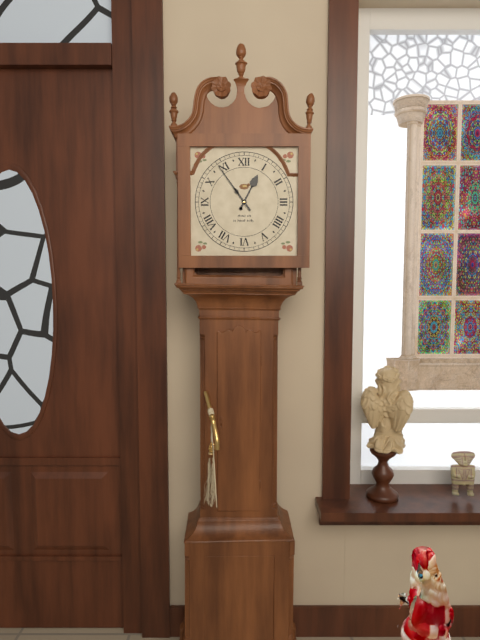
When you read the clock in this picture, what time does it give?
12:54
